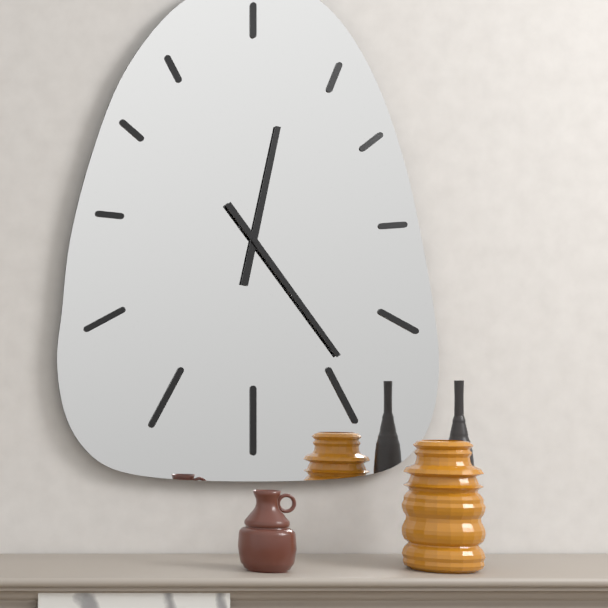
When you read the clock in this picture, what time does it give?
12:24
